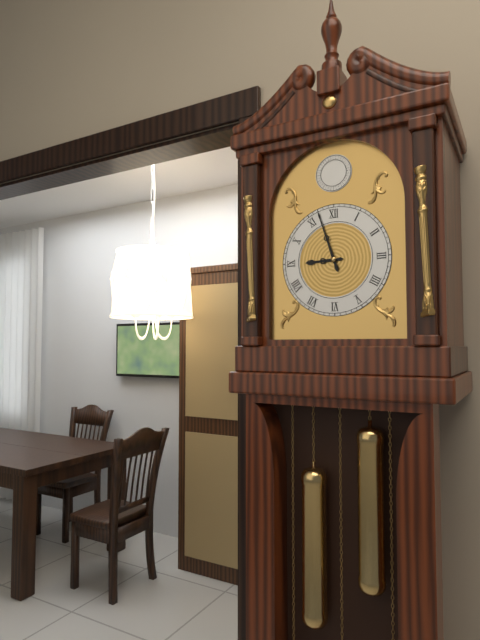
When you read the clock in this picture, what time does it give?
8:57
